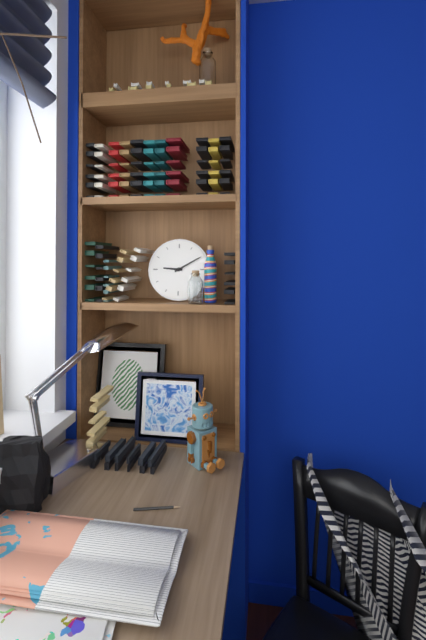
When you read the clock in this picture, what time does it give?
9:10
